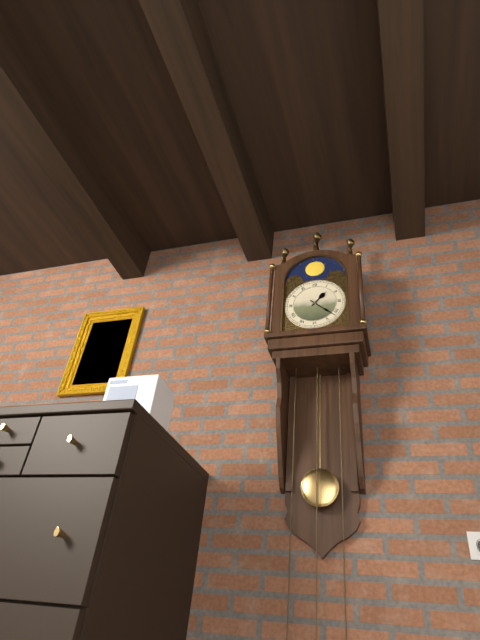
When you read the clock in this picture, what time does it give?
1:22
